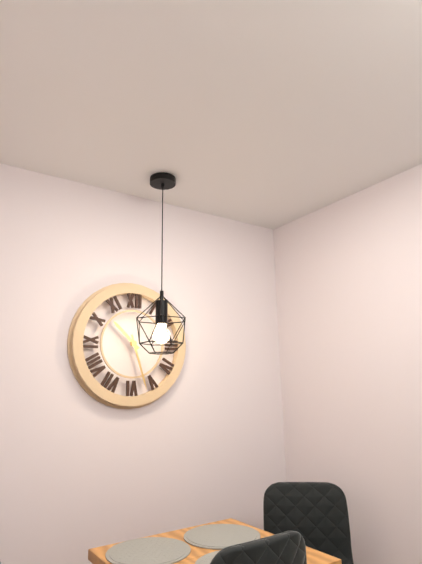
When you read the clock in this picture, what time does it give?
10:27
